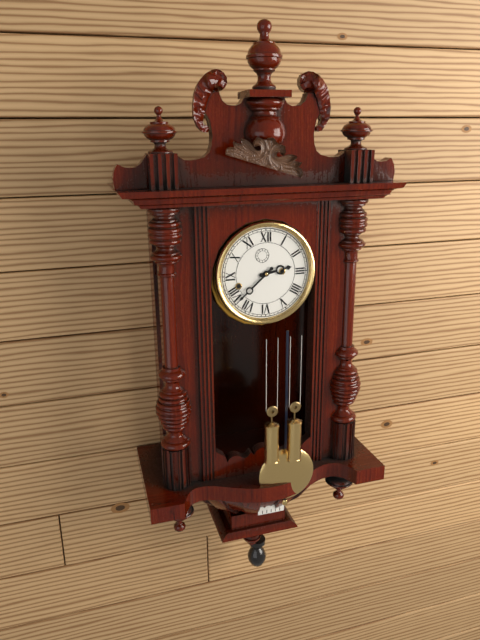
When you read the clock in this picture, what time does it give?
2:38
